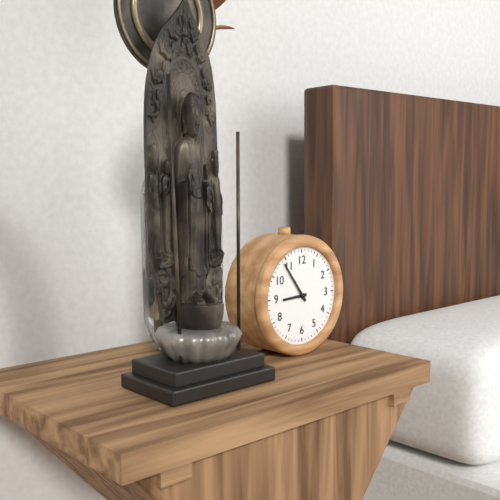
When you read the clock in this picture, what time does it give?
8:54
